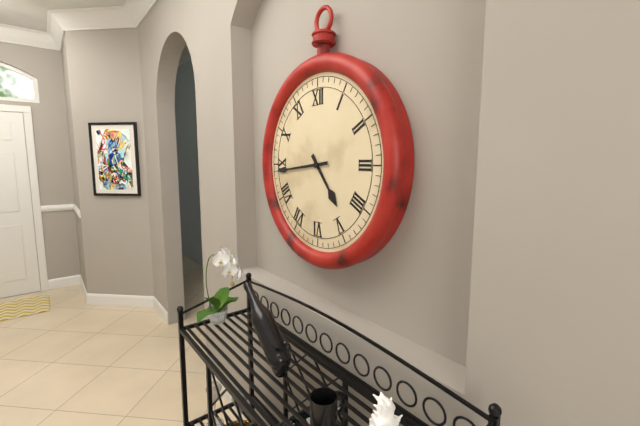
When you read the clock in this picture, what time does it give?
4:44
